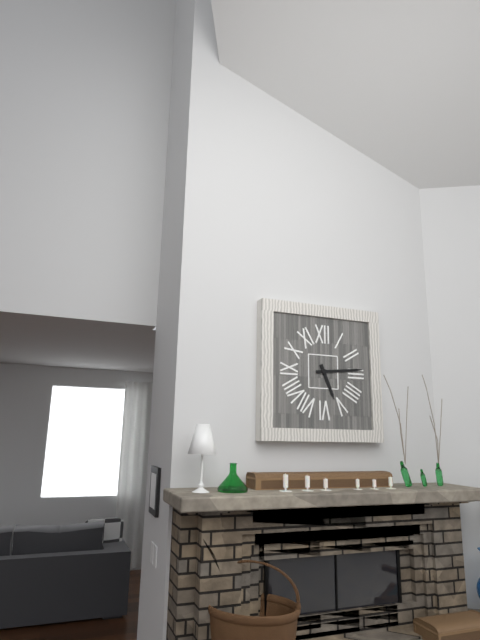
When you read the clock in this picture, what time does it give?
5:14
